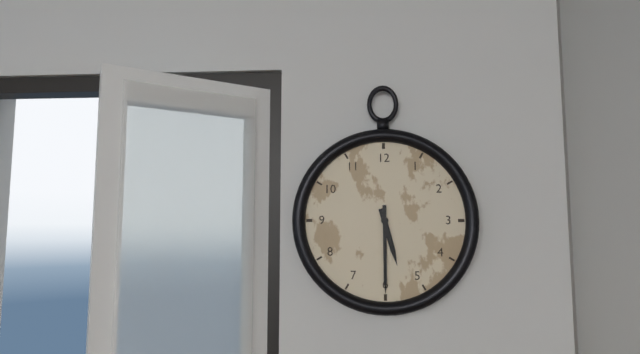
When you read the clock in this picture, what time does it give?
5:30
